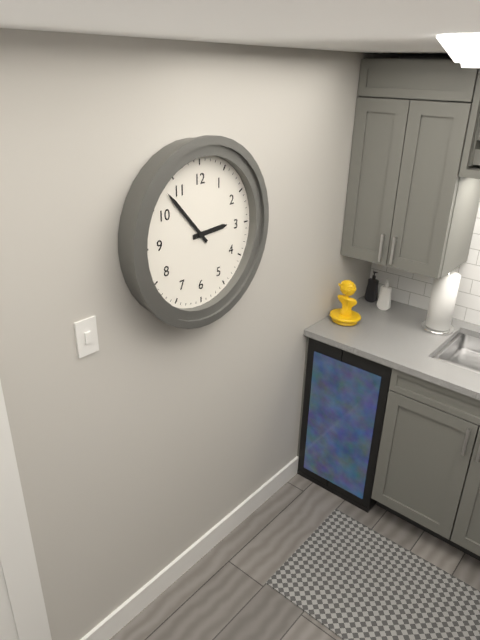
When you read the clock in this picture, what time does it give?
2:53
